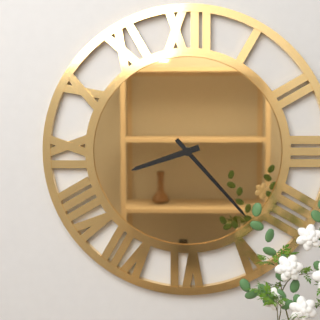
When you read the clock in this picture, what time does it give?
8:23
